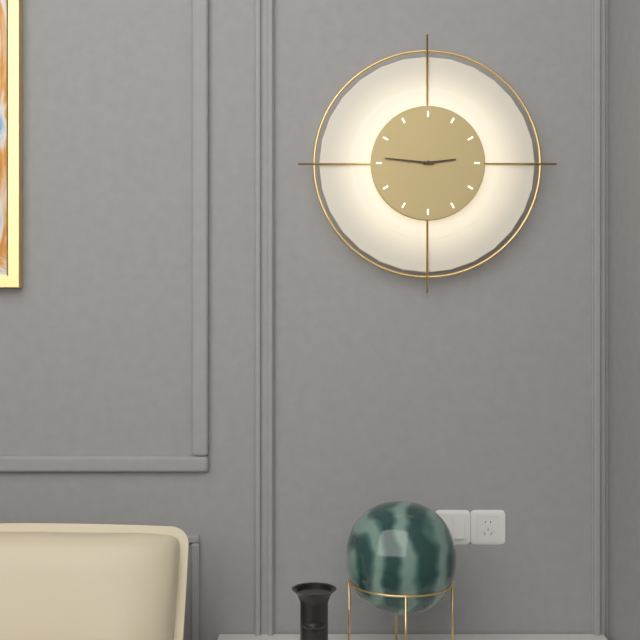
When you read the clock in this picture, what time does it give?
2:46
